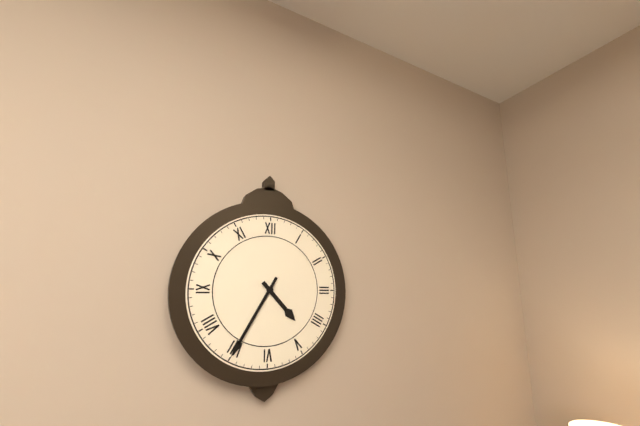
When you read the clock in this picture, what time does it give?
4:35
